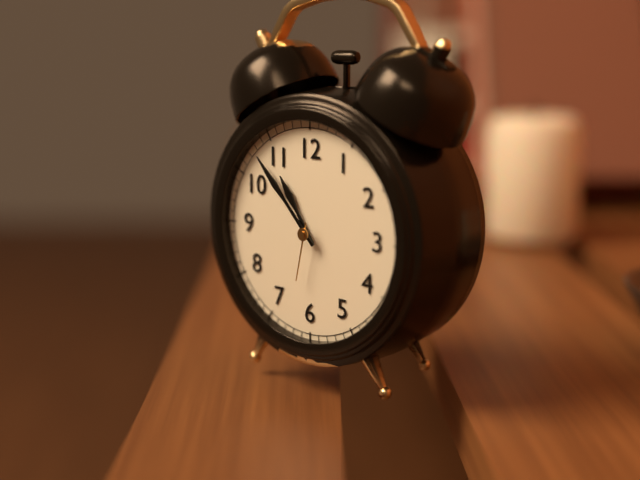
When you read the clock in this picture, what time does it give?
10:53:32
